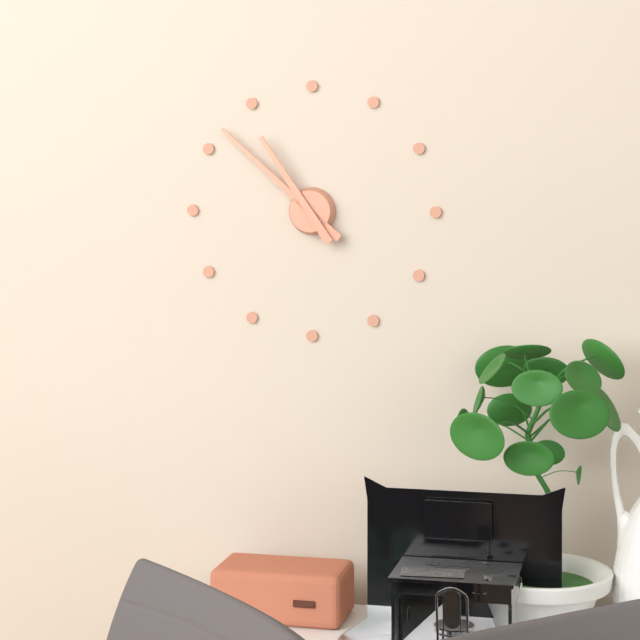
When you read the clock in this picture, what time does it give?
10:52
